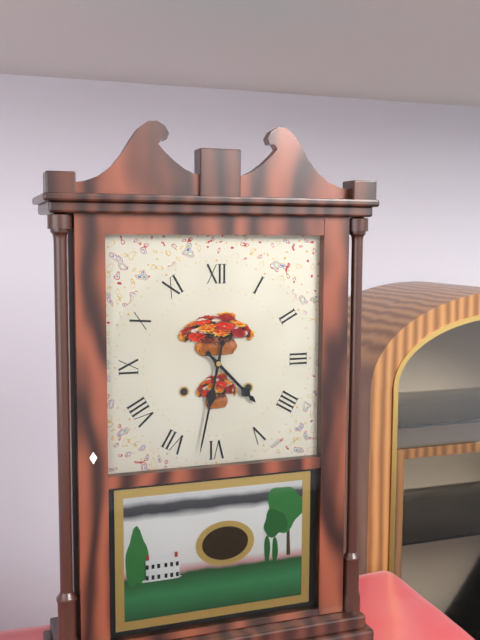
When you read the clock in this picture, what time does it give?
4:32
